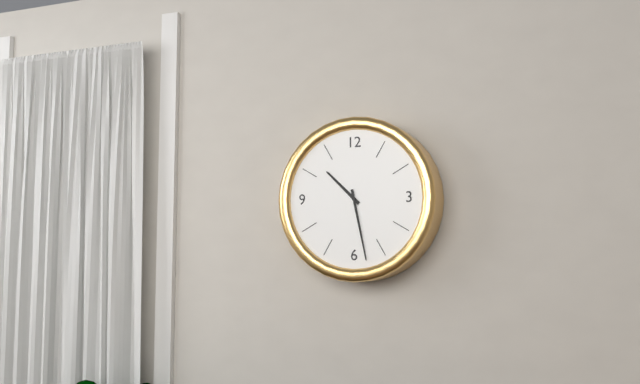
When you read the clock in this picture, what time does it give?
10:28
